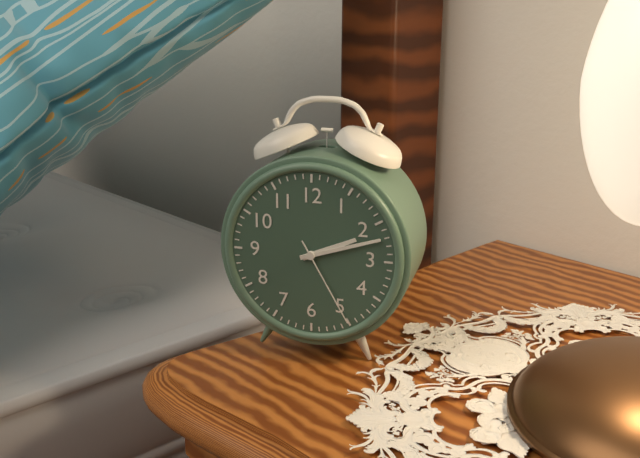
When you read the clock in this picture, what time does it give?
2:12:25
